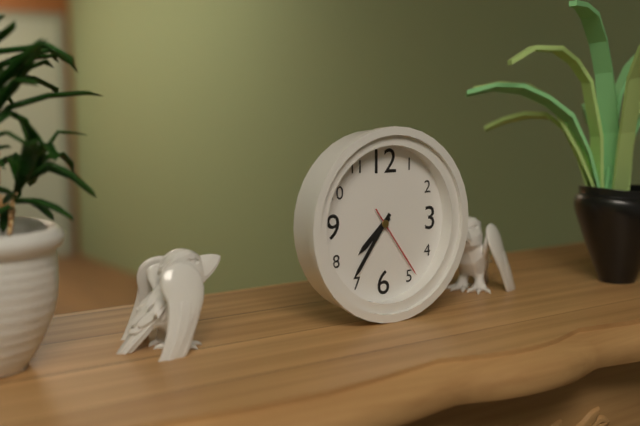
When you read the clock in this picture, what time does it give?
7:36:24
